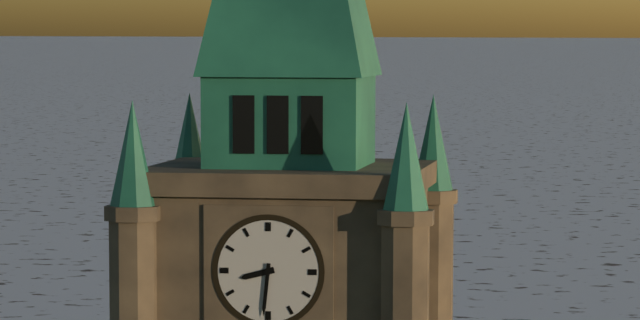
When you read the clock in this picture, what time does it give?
8:31
